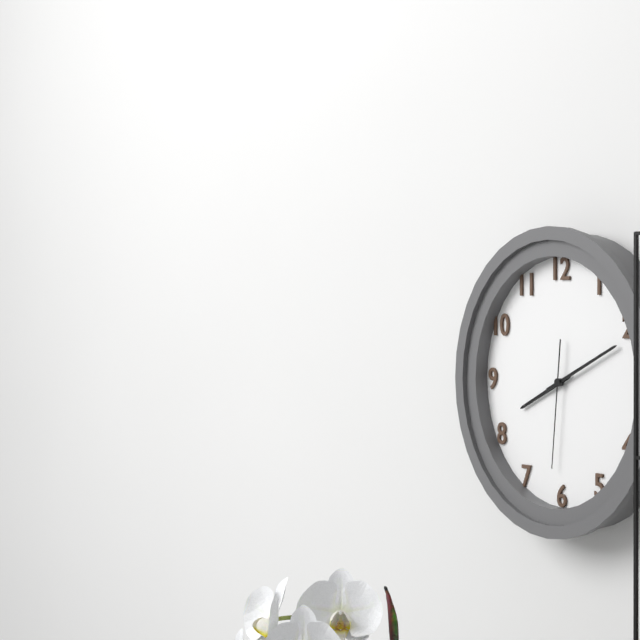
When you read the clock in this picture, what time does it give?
8:11:31
